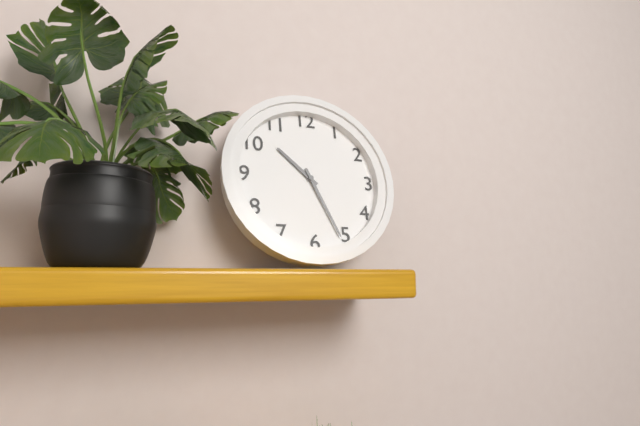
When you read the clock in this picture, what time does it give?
10:26
